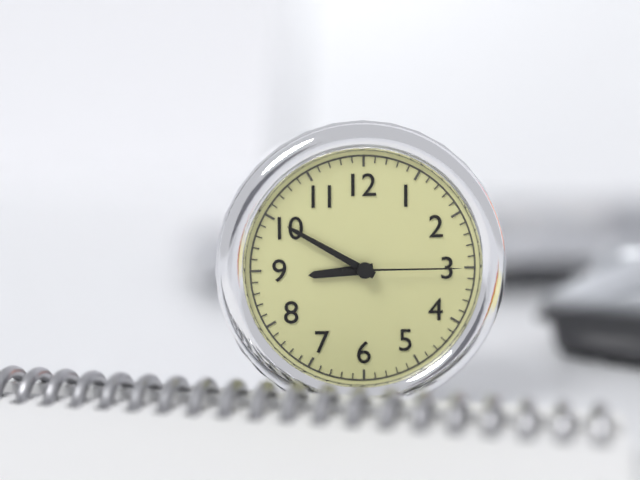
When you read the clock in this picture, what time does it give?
8:50:15
